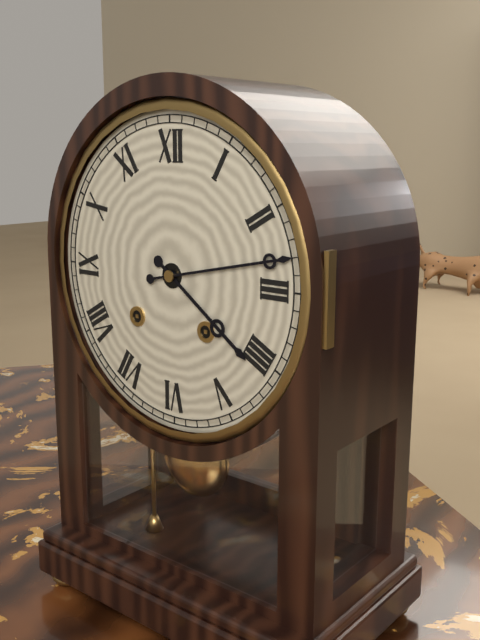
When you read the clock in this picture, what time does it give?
4:13
